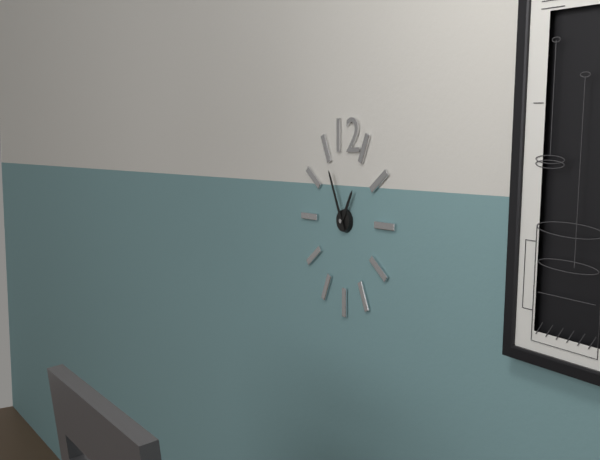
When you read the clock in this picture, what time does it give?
12:56
